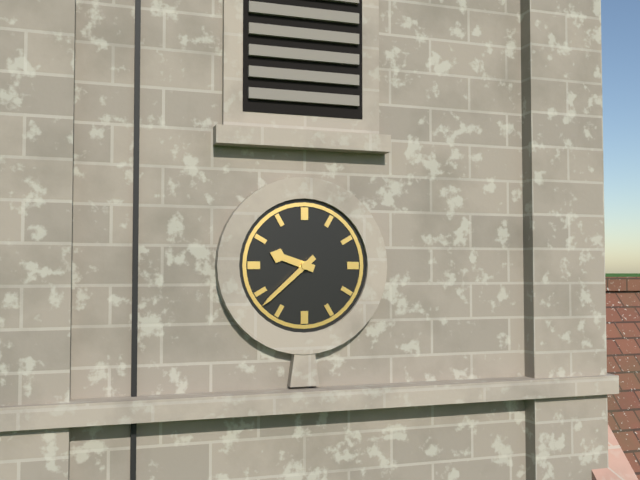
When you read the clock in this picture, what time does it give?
9:38
